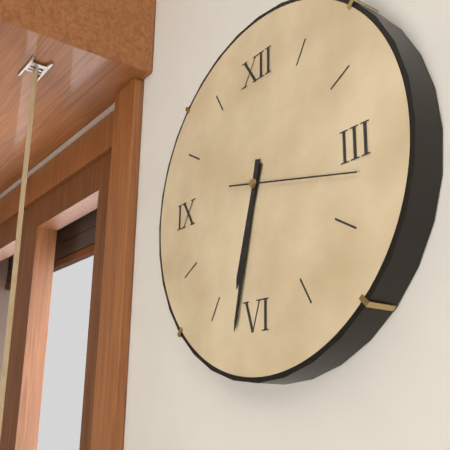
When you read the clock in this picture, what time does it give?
6:32:17
